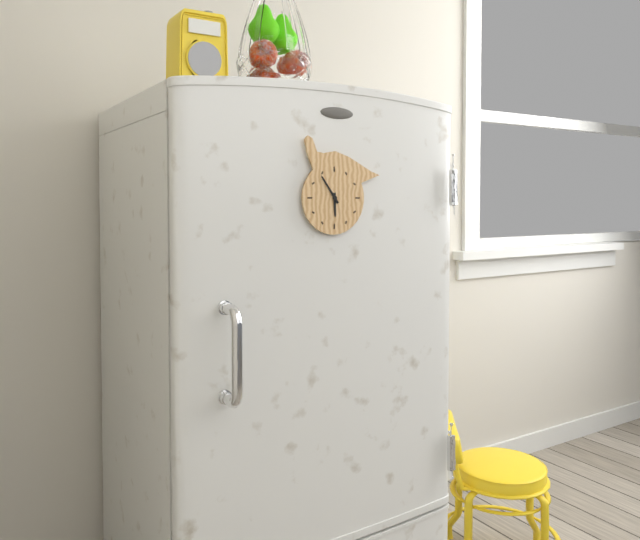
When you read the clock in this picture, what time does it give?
5:54
